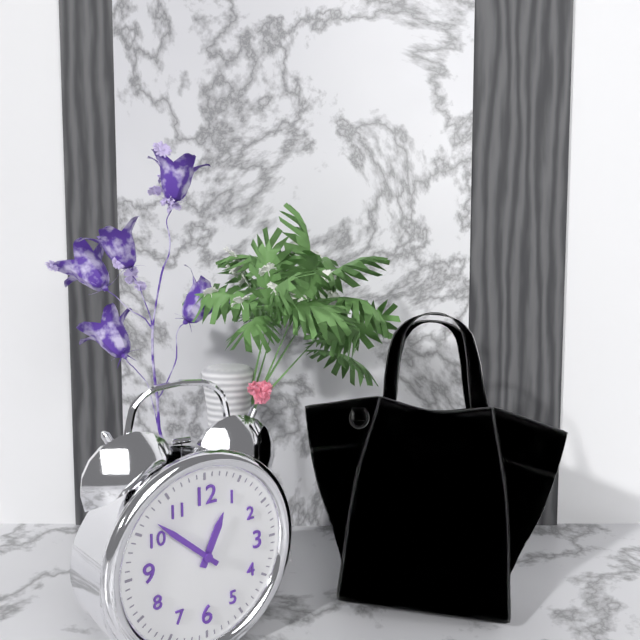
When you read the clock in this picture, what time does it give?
12:52
